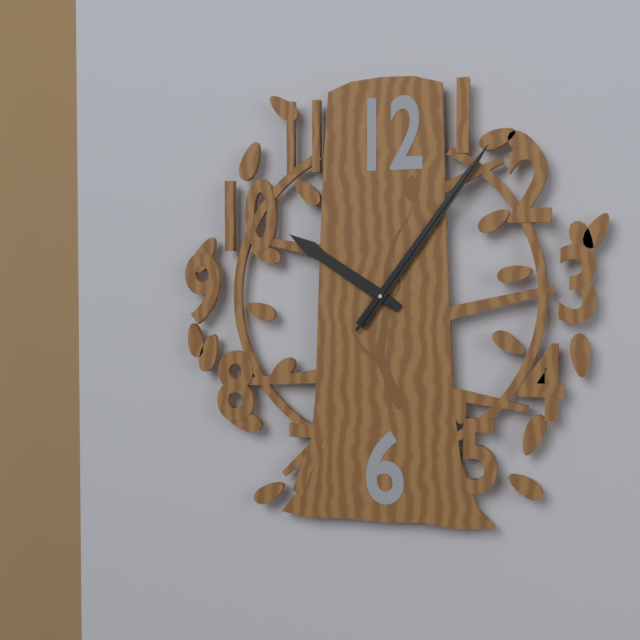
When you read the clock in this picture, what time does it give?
10:06:06
